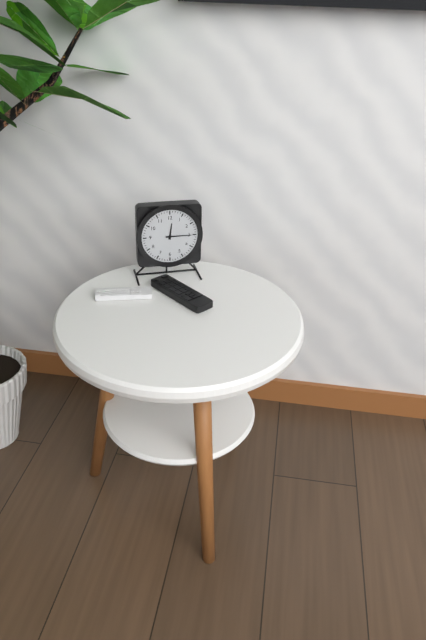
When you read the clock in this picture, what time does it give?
12:15
